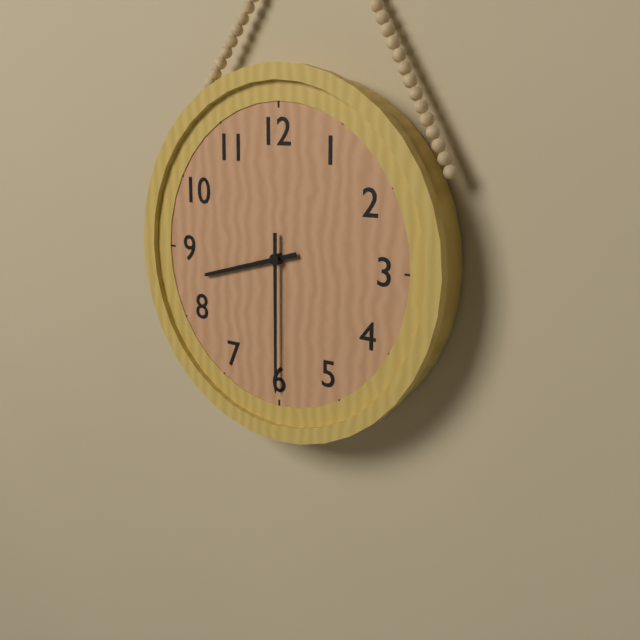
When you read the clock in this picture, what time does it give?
8:30
